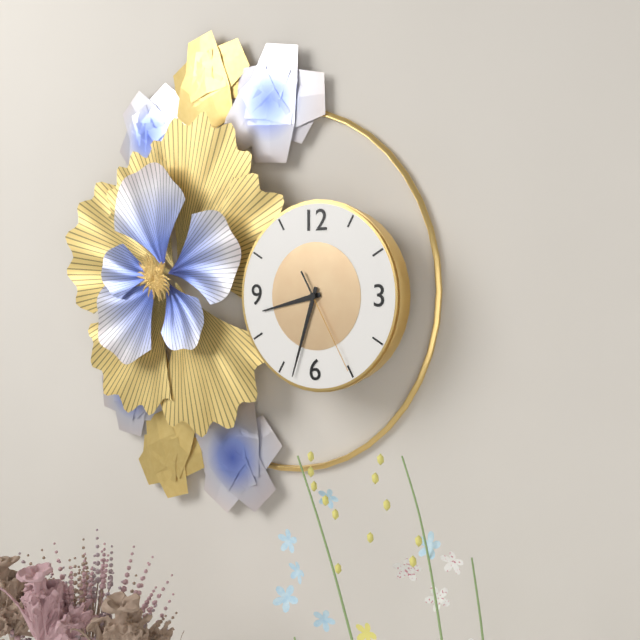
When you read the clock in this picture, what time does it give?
8:33:25
